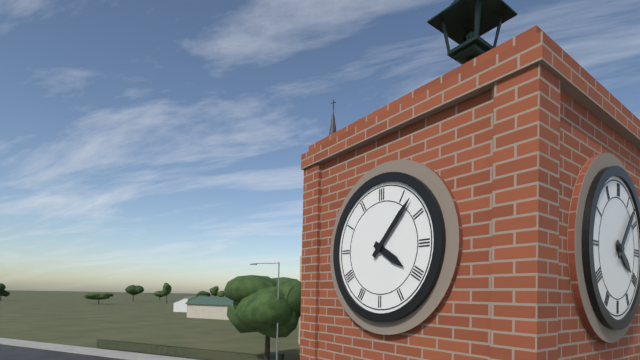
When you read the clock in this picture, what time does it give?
4:07
